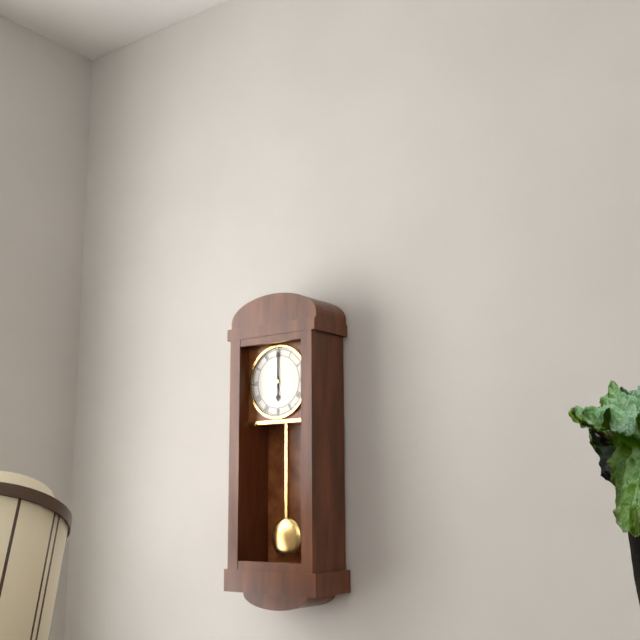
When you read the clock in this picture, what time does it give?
6:00
